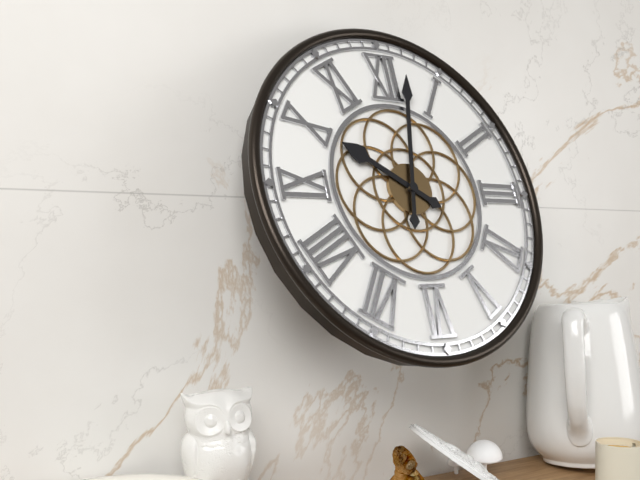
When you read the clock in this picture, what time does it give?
10:02
